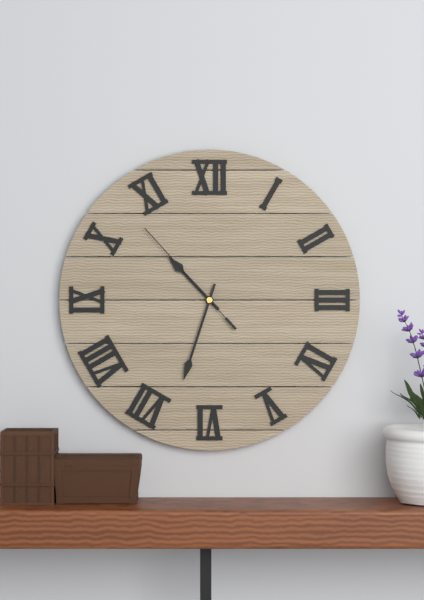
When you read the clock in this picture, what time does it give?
10:33:53
